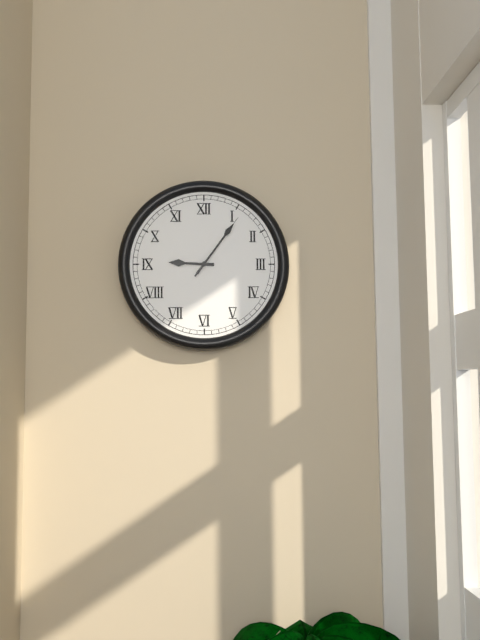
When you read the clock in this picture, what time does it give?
9:06:06
